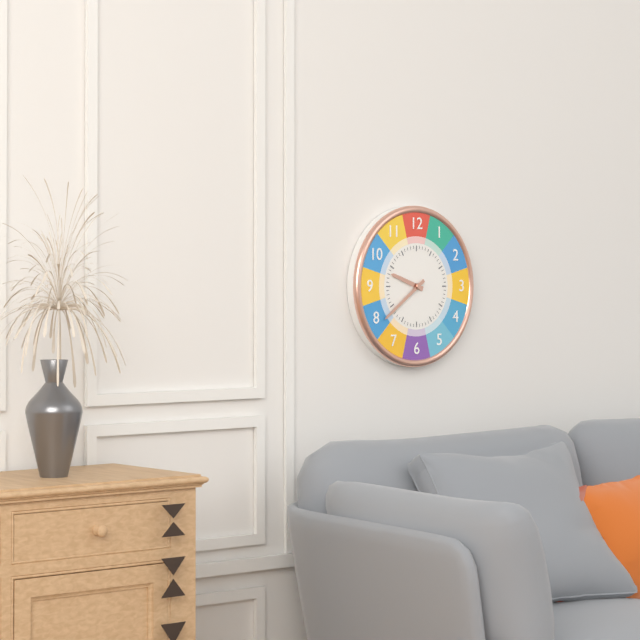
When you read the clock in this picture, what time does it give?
9:39
